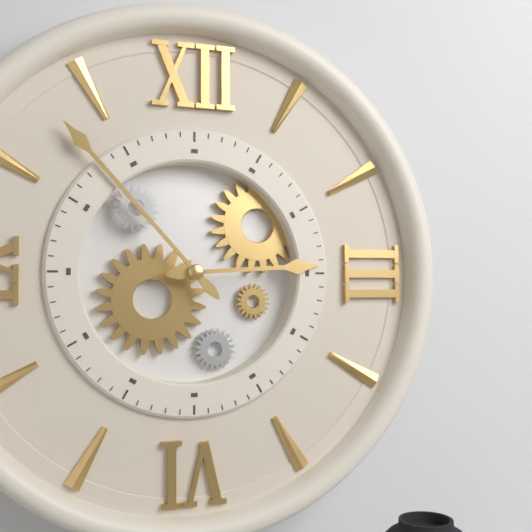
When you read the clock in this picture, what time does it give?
2:53
